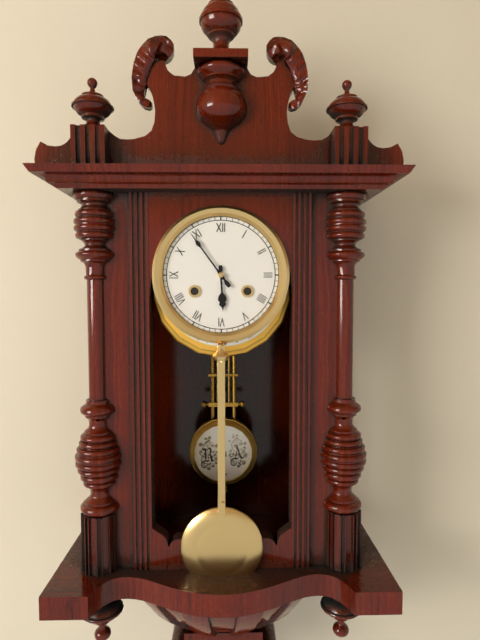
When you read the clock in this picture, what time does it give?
5:54
